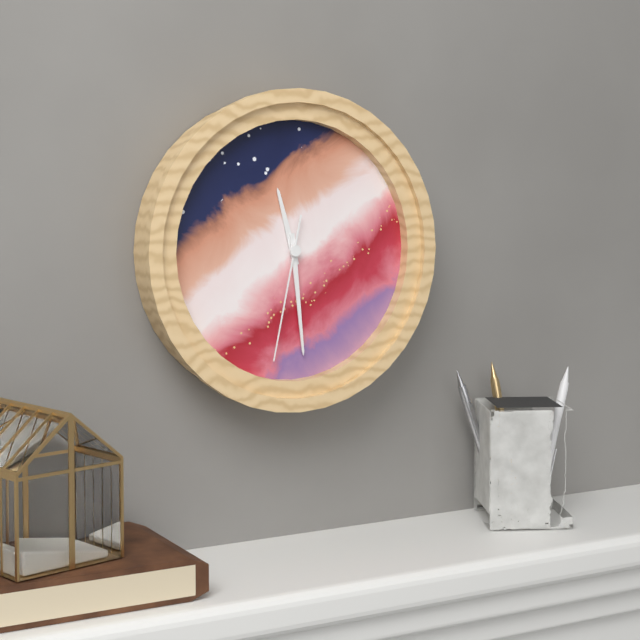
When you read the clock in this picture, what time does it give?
11:29:32
